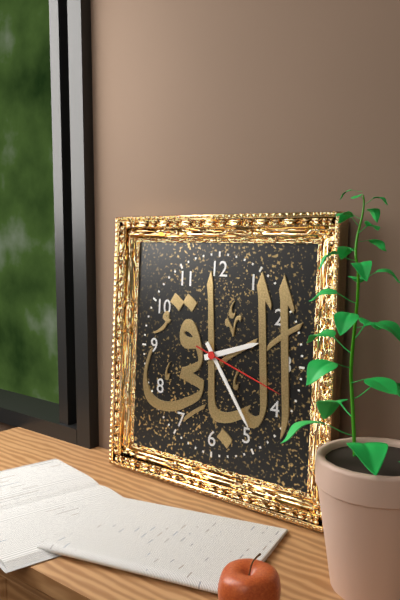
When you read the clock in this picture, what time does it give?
2:24:18
